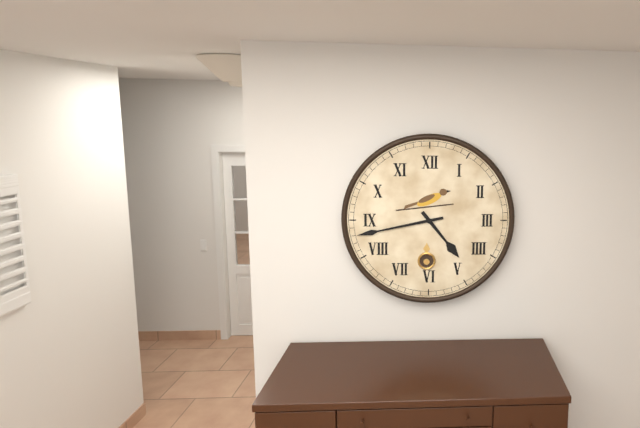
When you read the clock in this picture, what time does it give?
4:43
